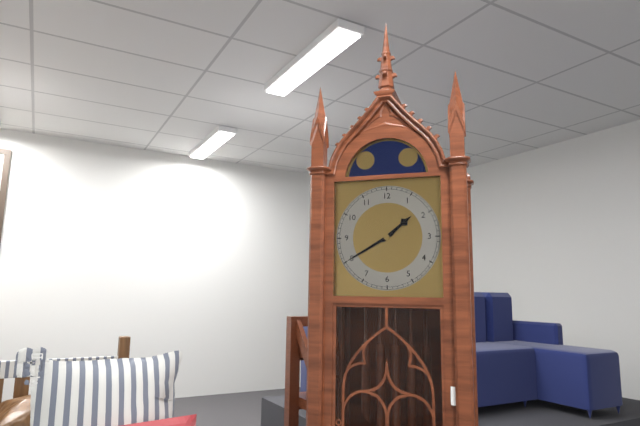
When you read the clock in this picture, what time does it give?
1:40
